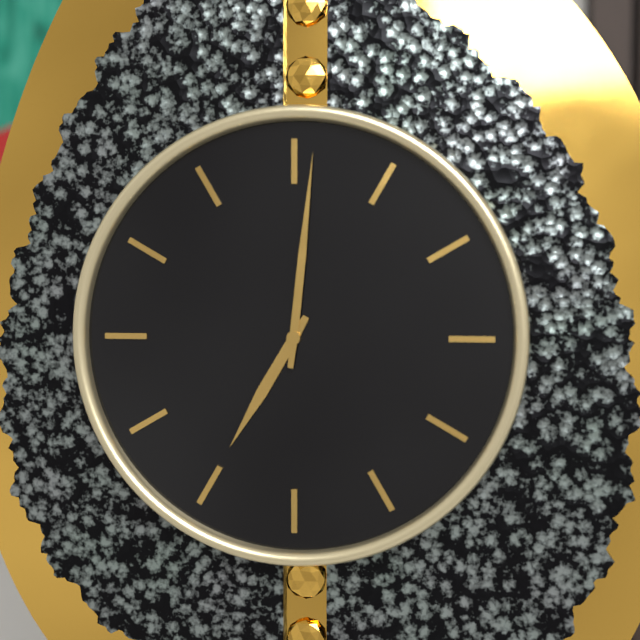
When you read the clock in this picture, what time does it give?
7:01
